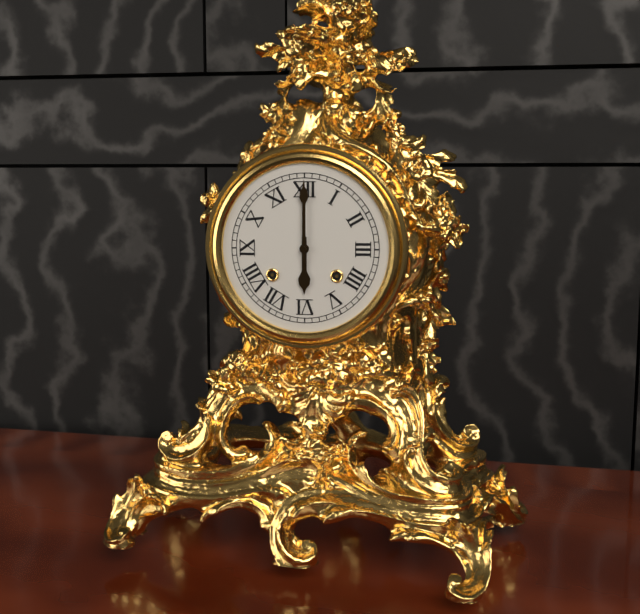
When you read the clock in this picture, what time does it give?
6:00
